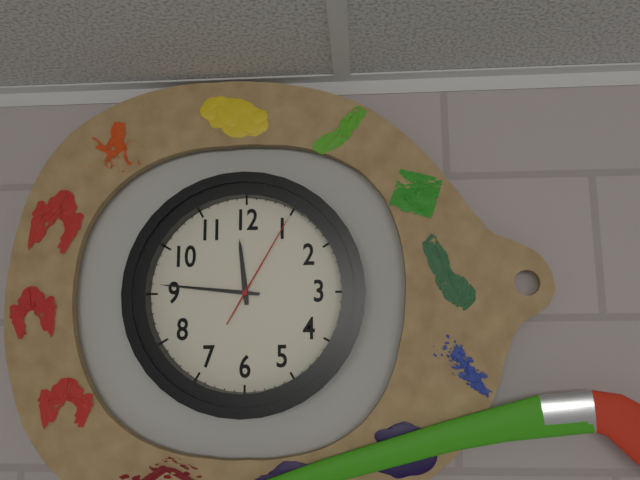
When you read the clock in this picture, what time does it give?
11:46:05
